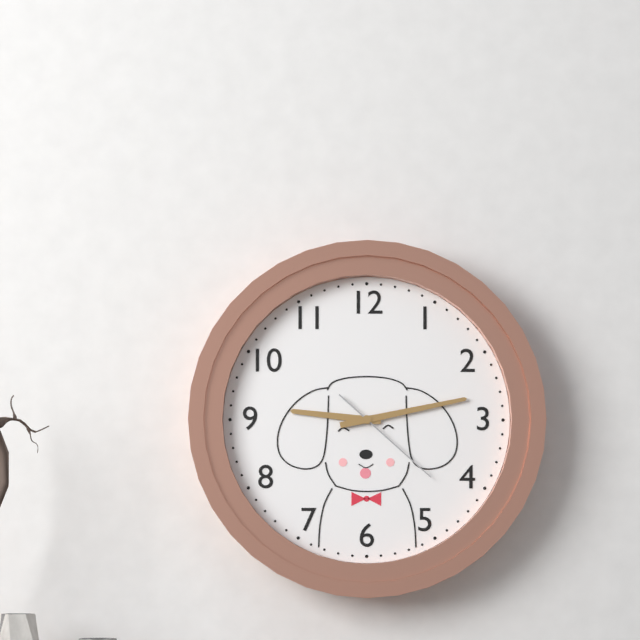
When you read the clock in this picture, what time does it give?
9:13:22
